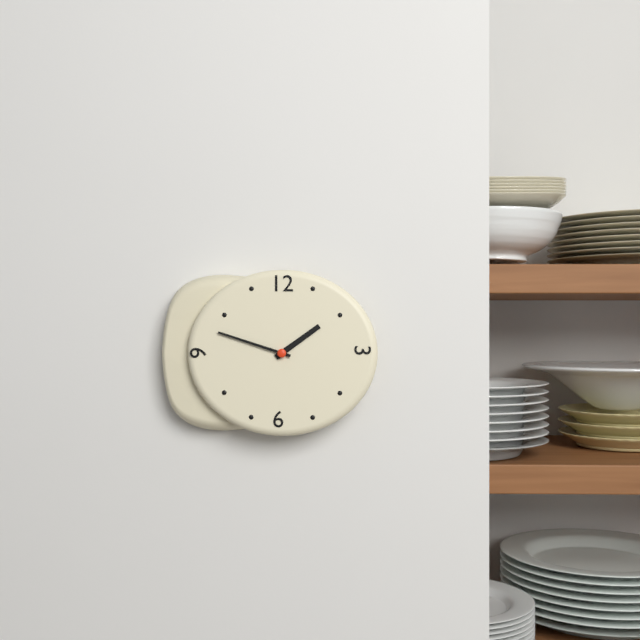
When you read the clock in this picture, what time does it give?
1:48
